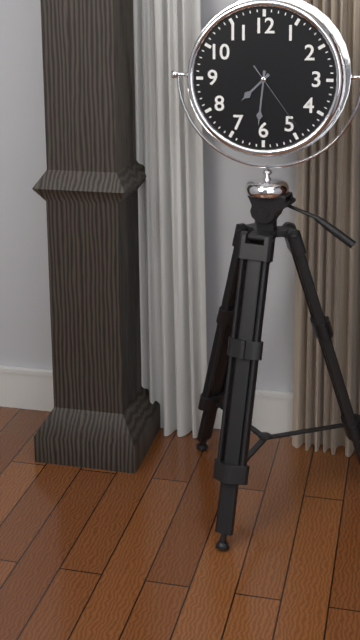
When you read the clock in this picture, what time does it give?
7:31:24
